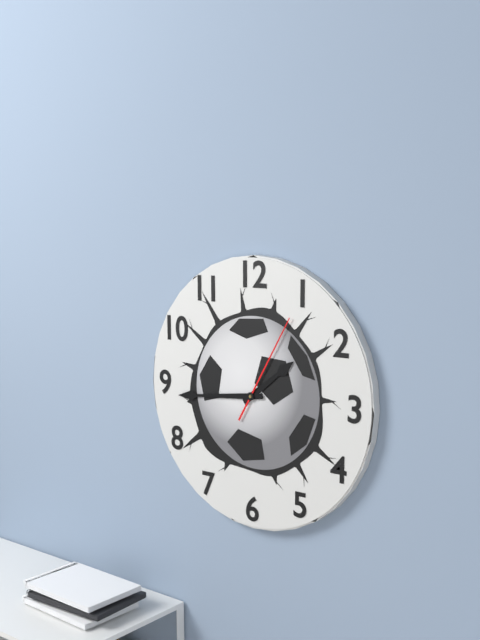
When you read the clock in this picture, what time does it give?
1:44:05
